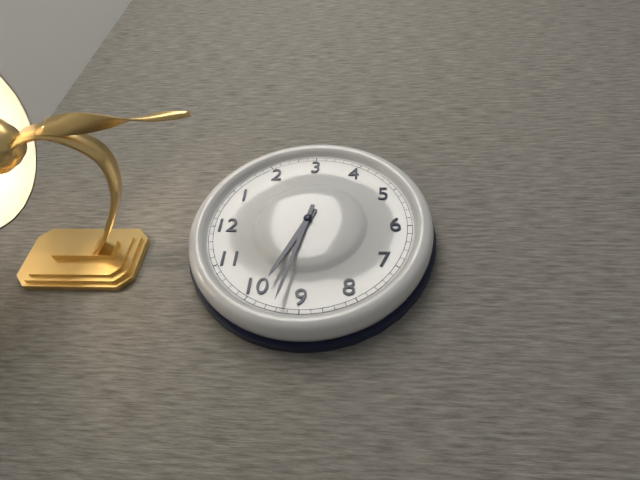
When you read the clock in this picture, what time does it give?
9:47
